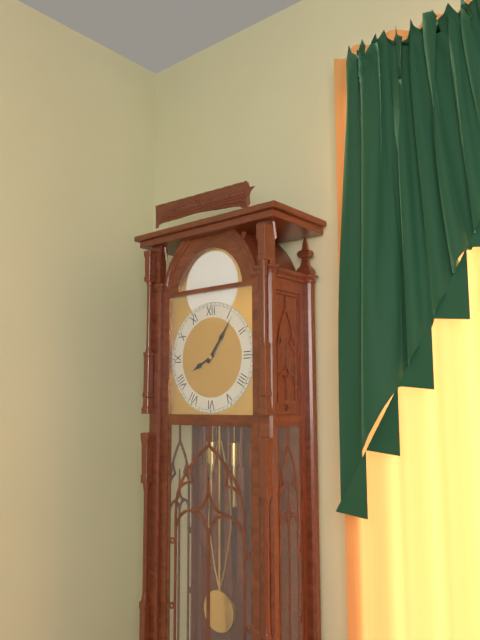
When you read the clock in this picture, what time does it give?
8:06
